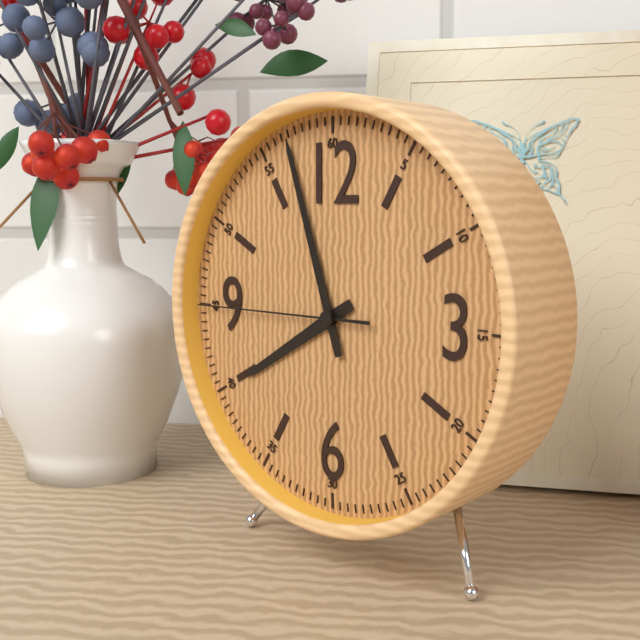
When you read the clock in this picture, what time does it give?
7:57:45
